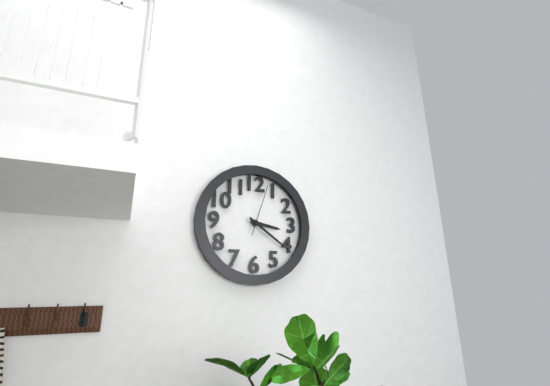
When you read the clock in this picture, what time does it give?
3:21:03
